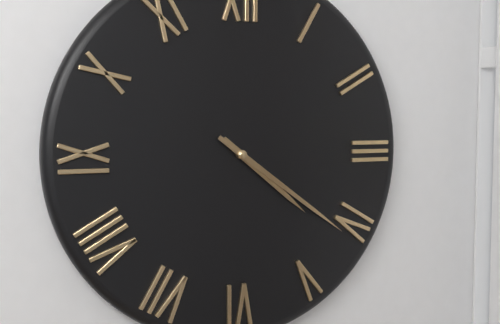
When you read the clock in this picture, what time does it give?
4:21
